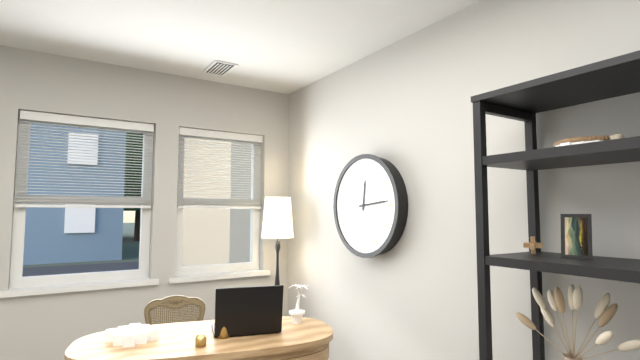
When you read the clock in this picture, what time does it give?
12:14
